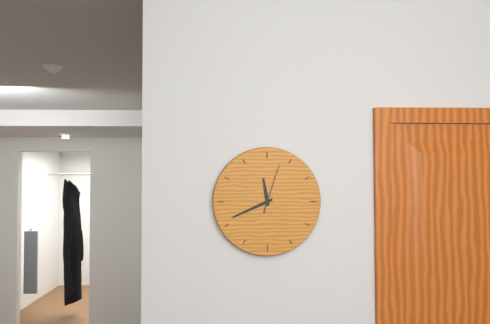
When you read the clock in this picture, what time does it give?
11:41:03
